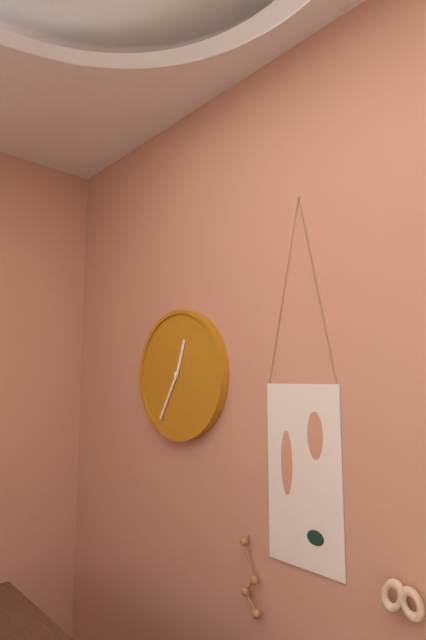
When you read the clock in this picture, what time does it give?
12:35
